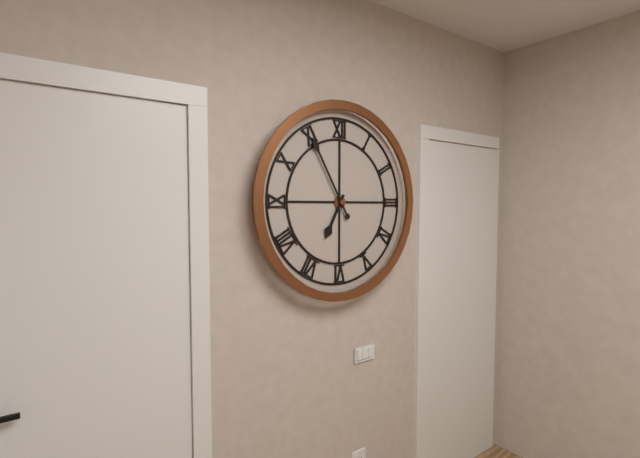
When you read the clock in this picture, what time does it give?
6:55
